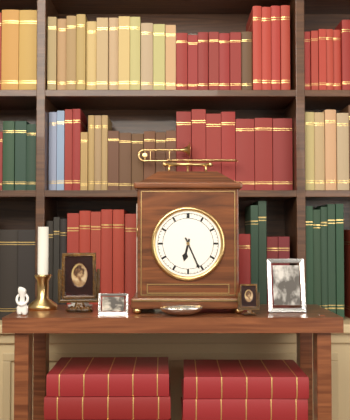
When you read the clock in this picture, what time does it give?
6:26
